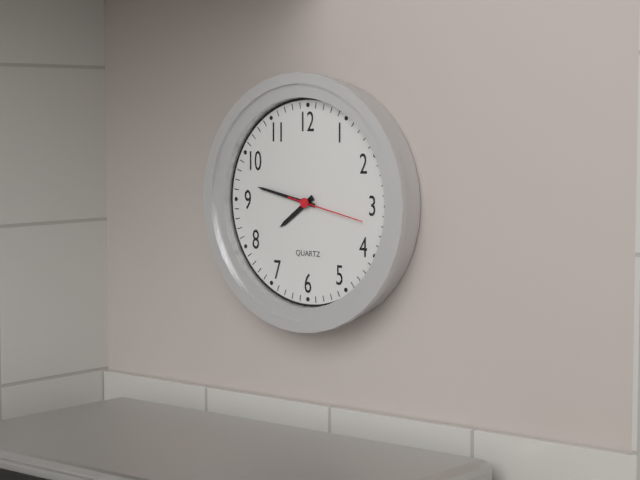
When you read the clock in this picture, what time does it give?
7:47:17
